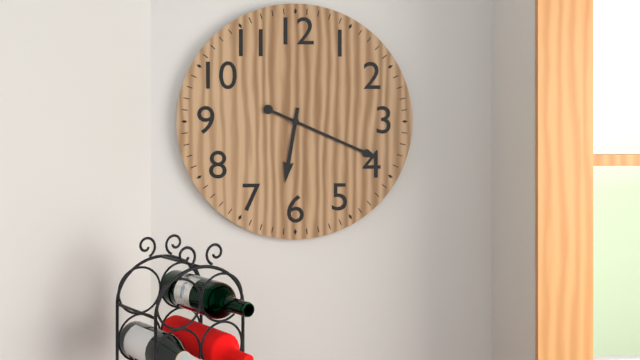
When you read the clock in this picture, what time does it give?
6:19
